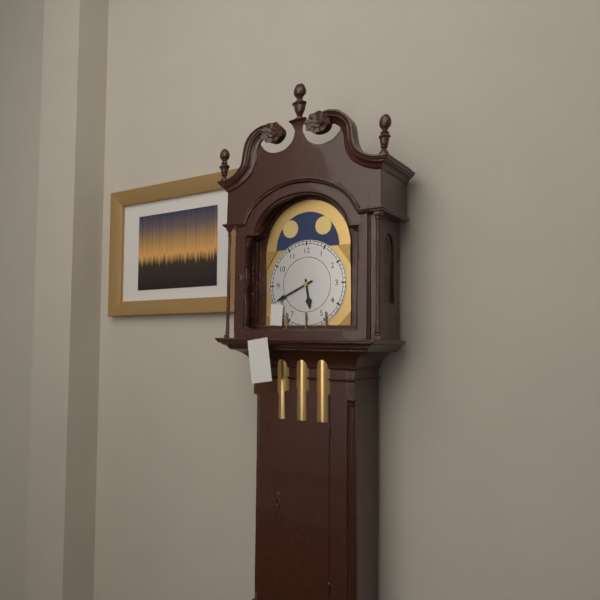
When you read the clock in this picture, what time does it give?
5:41
